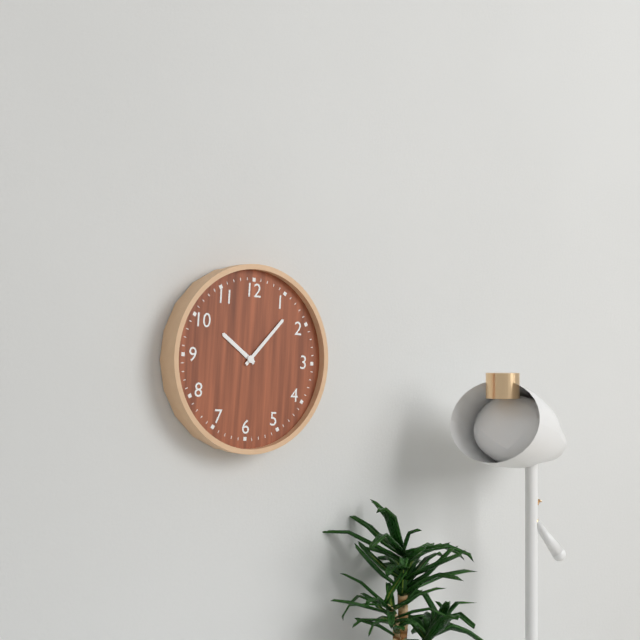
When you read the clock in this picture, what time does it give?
10:07
